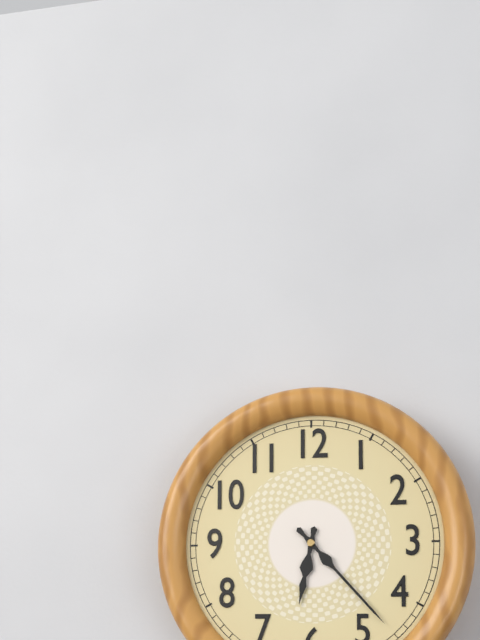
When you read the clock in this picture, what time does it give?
6:23
